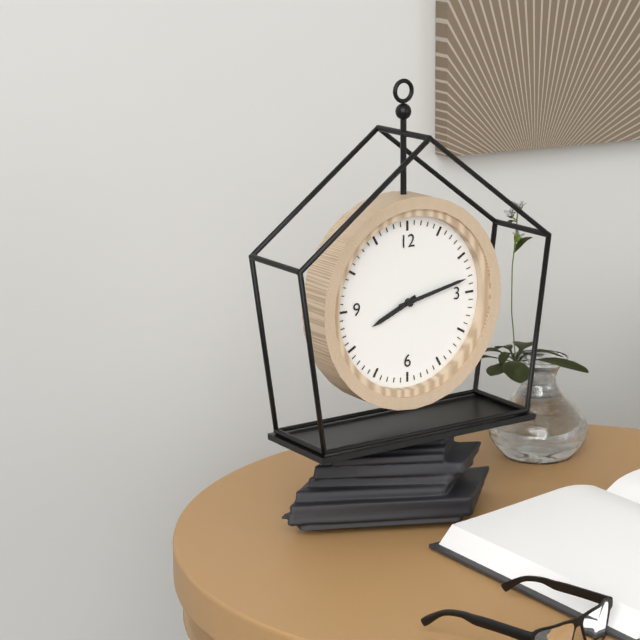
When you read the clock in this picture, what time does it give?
8:13
